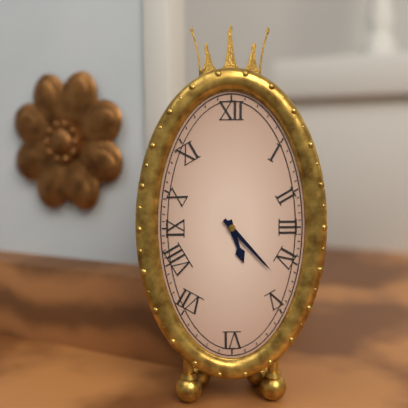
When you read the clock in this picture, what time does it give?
5:23
